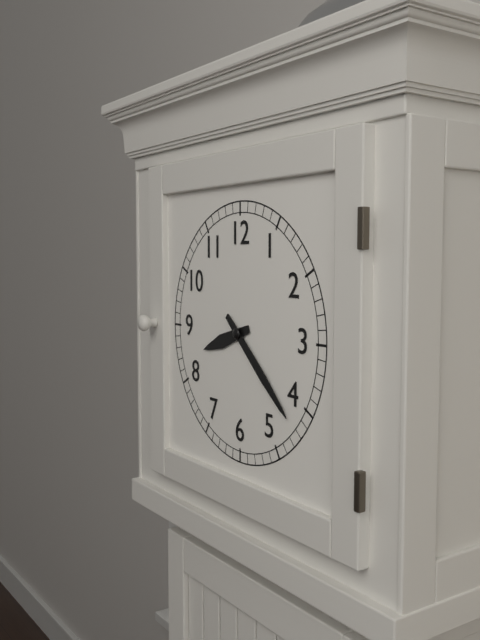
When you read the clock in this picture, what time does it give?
8:22
